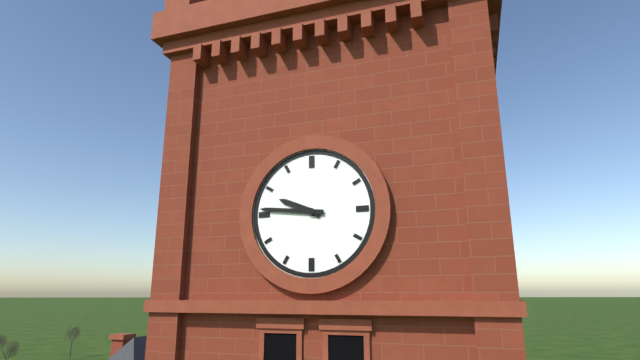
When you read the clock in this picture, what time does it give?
9:46
